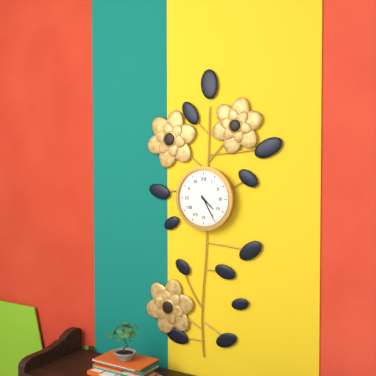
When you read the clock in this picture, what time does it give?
4:25
